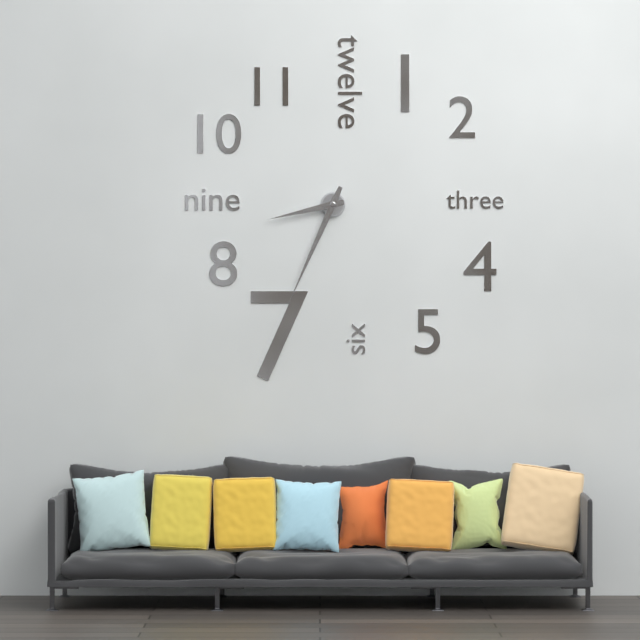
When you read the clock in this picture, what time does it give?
8:34
